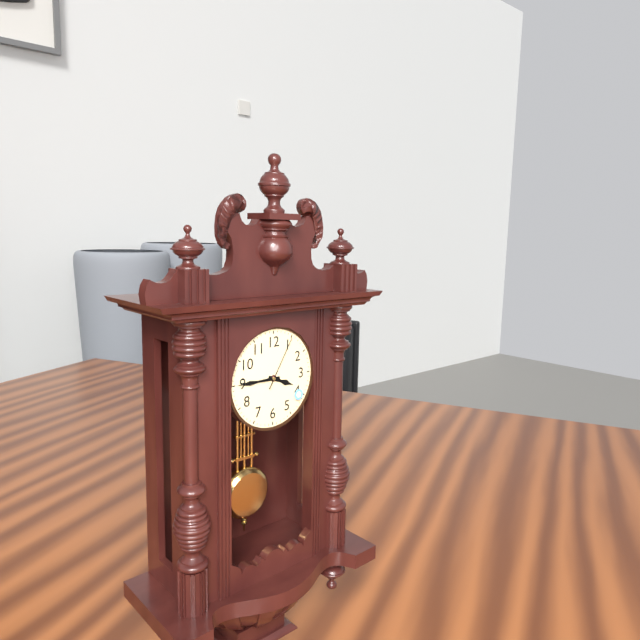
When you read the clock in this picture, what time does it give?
3:45:05
